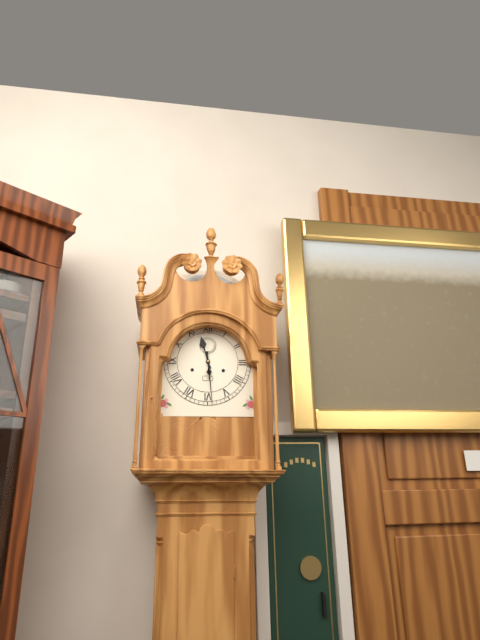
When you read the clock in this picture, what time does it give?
11:29
